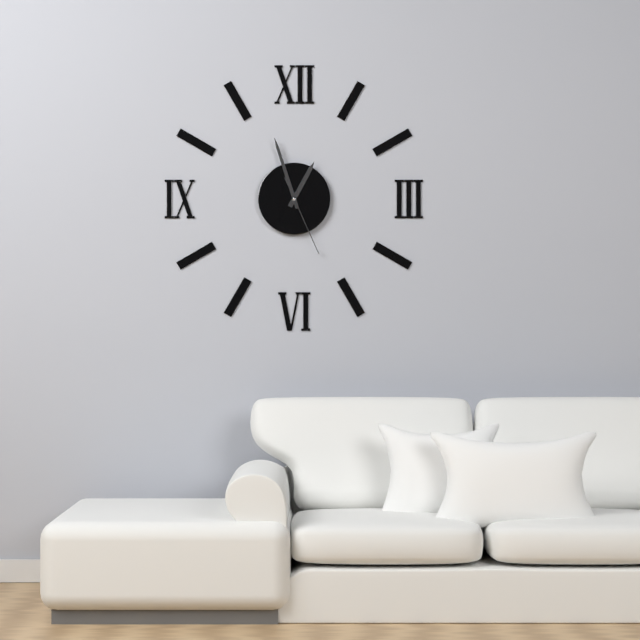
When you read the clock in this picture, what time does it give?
12:57:26
